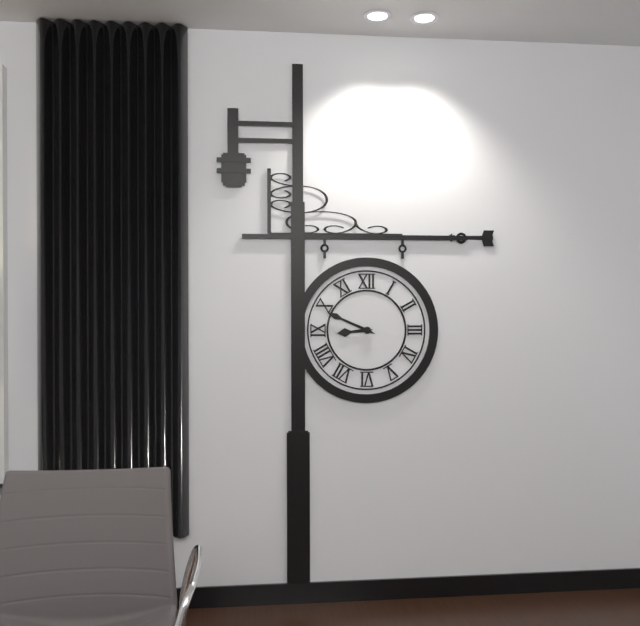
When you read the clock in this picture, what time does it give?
8:49
